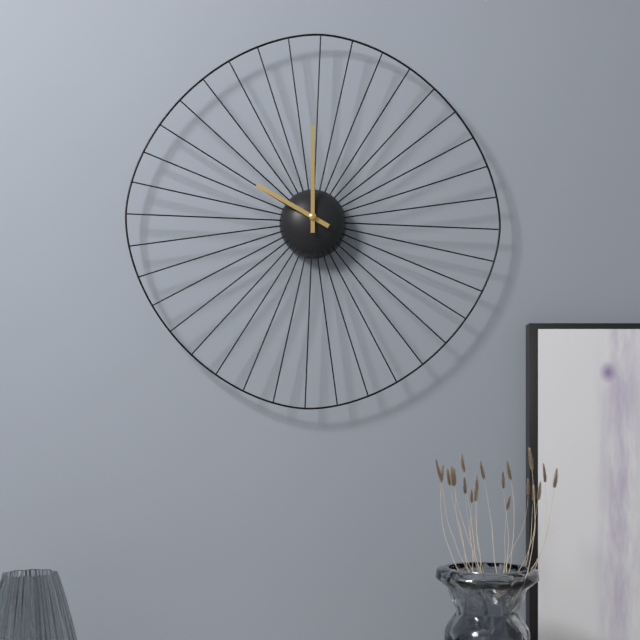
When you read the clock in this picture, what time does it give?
10:00
